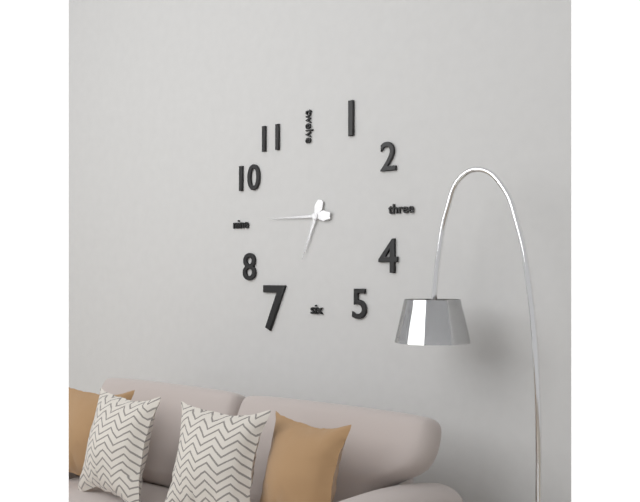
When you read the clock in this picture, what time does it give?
6:45
